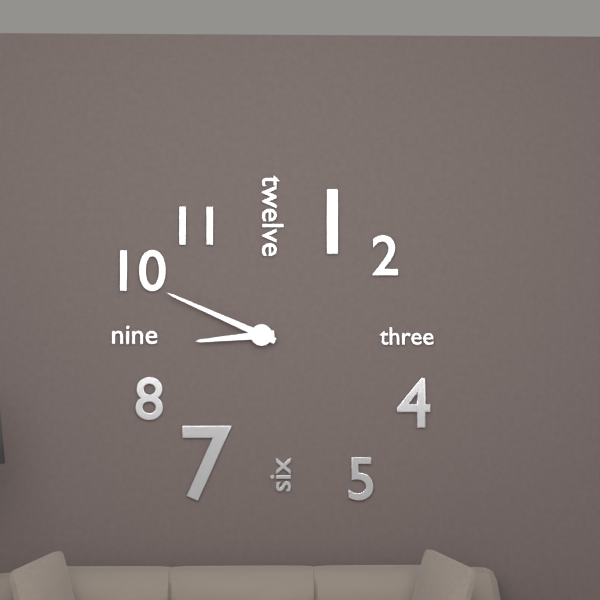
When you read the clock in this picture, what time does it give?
8:49
